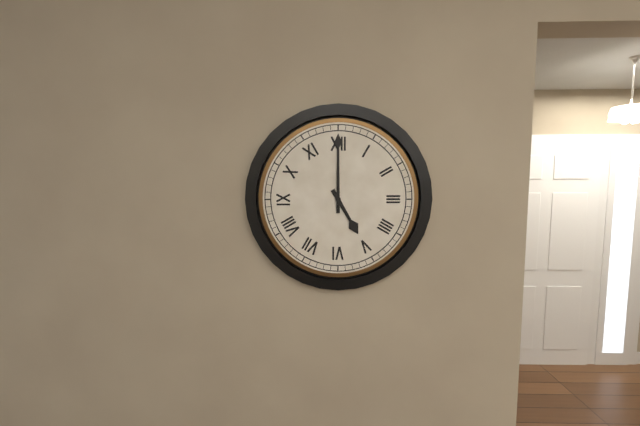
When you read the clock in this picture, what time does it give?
5:00
